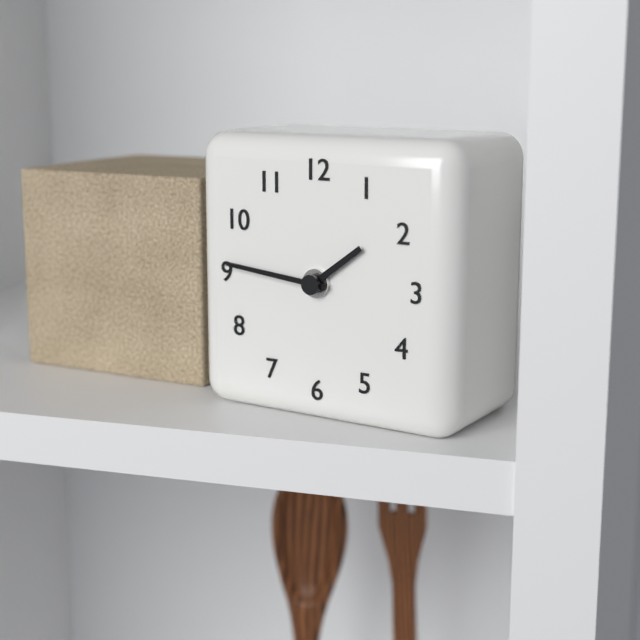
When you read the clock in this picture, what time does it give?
1:46
